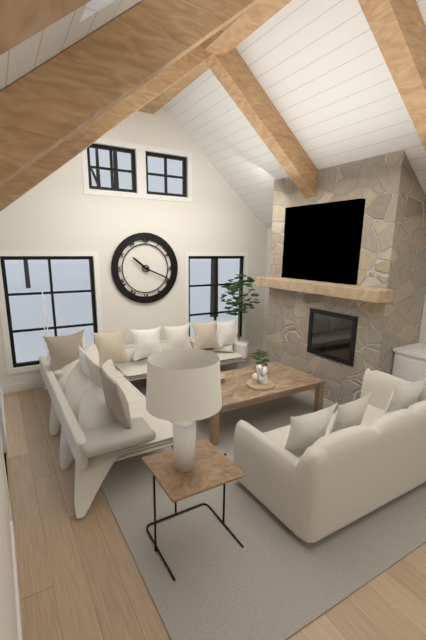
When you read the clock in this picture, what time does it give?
10:19
